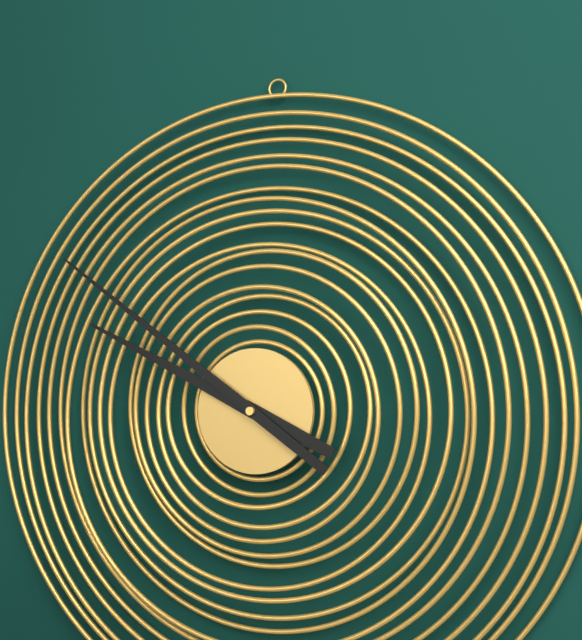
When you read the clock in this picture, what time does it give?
9:51
